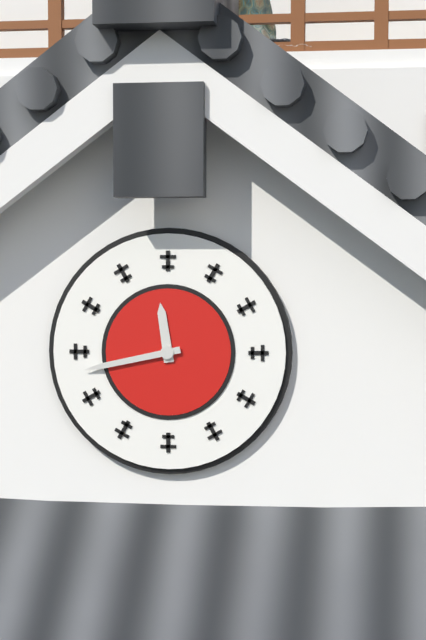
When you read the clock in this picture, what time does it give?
11:43
